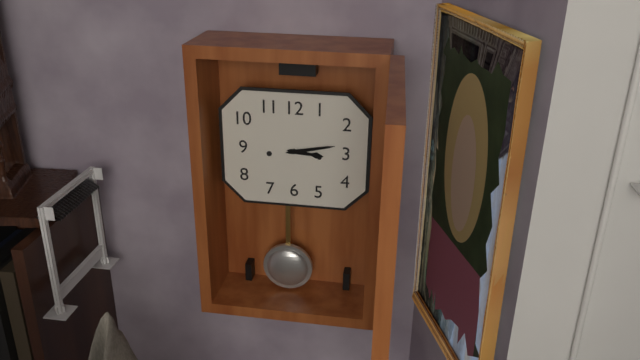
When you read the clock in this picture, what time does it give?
3:13
